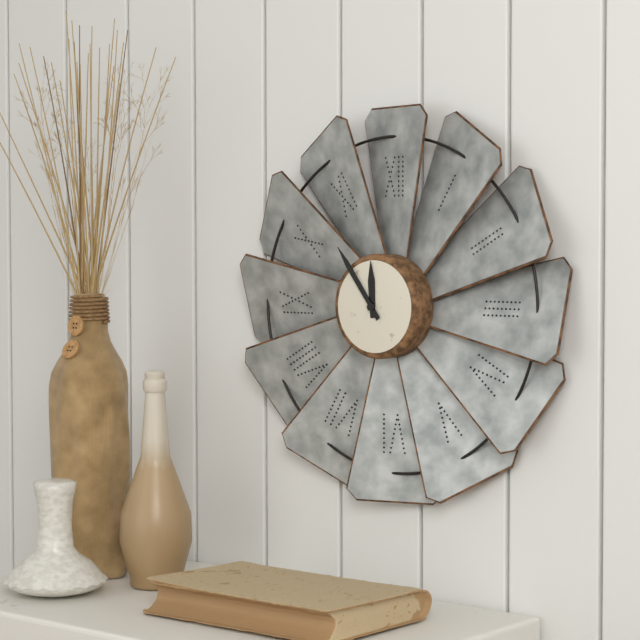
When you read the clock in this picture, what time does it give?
11:54
